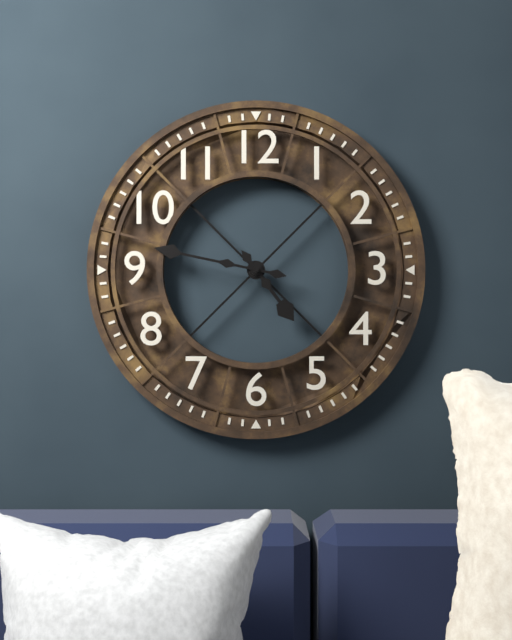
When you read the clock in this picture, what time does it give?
4:47
